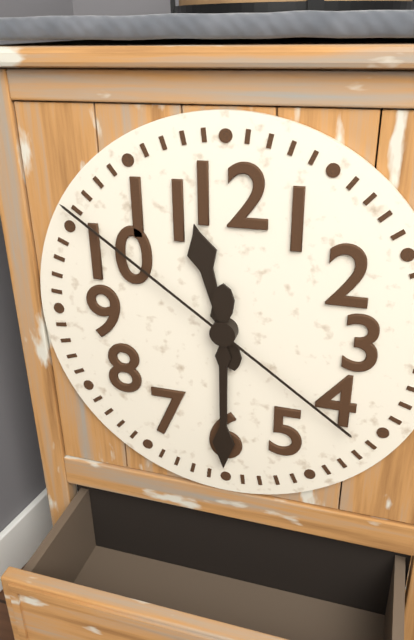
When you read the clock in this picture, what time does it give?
11:30:51
